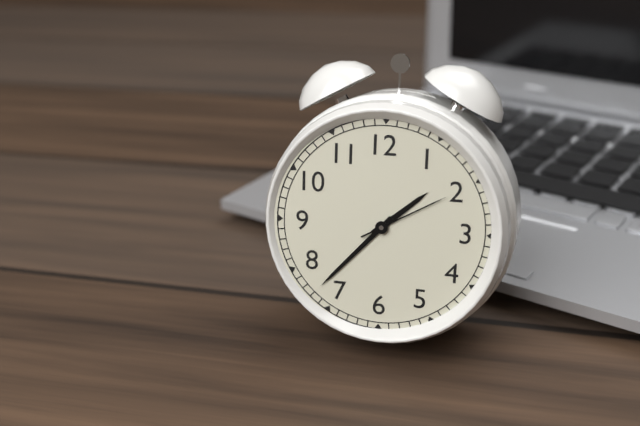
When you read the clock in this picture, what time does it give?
1:37:10
